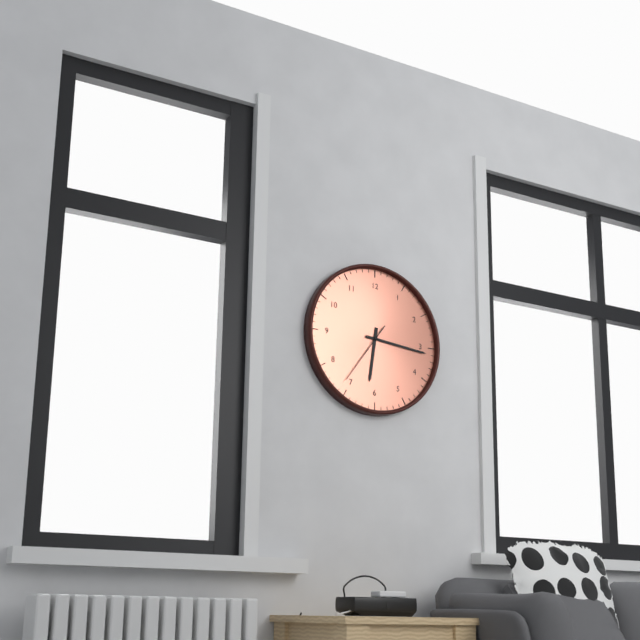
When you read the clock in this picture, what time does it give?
6:16:36
